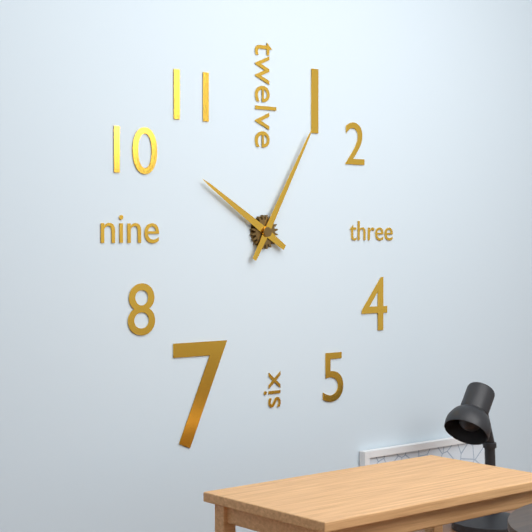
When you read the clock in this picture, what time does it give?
10:05
